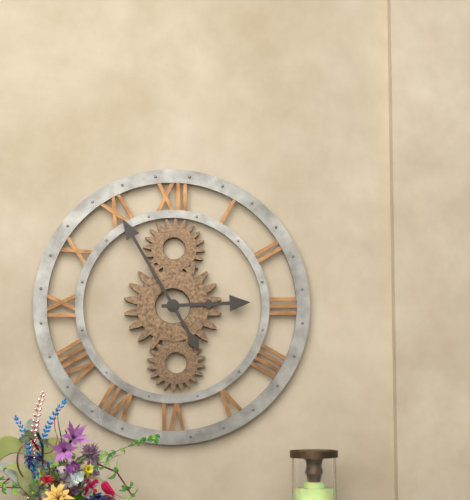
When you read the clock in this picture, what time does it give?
2:55
